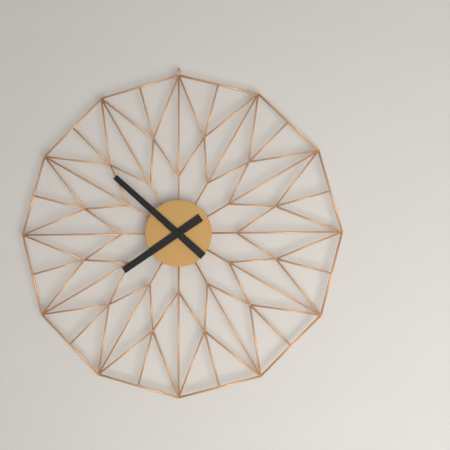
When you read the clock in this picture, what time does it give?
7:52
